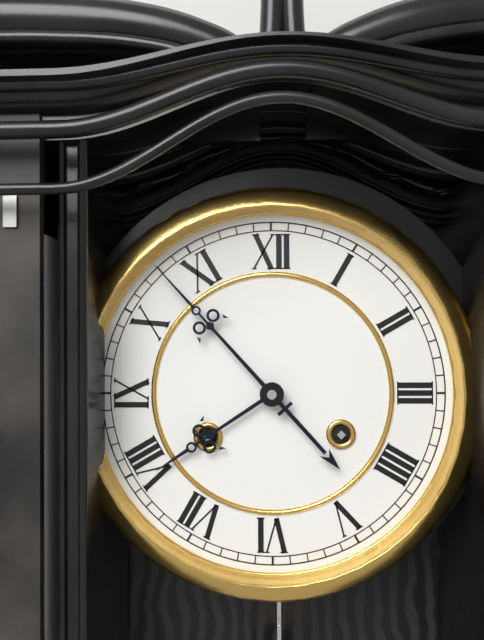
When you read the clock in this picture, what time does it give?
7:53
